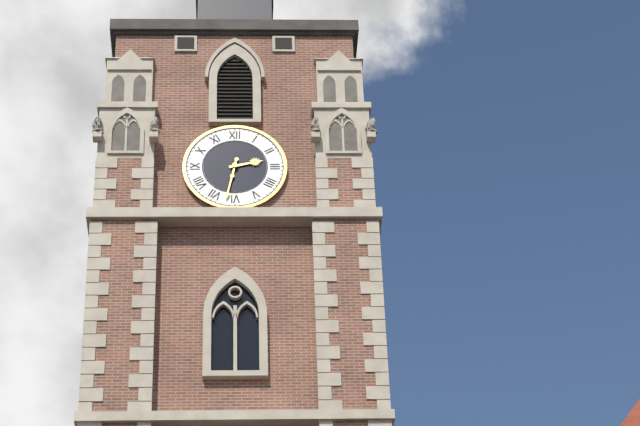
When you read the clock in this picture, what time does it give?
2:32
